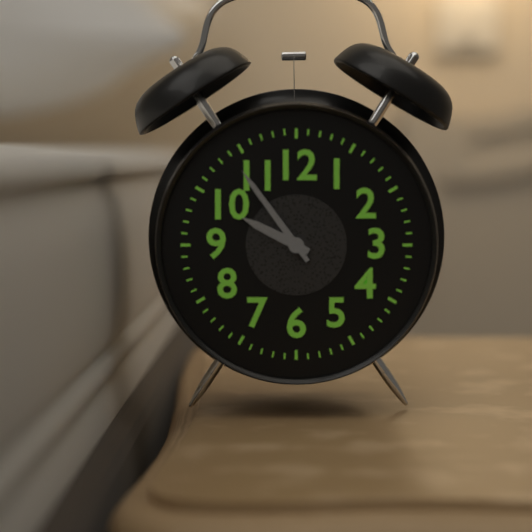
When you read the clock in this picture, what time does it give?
9:54
